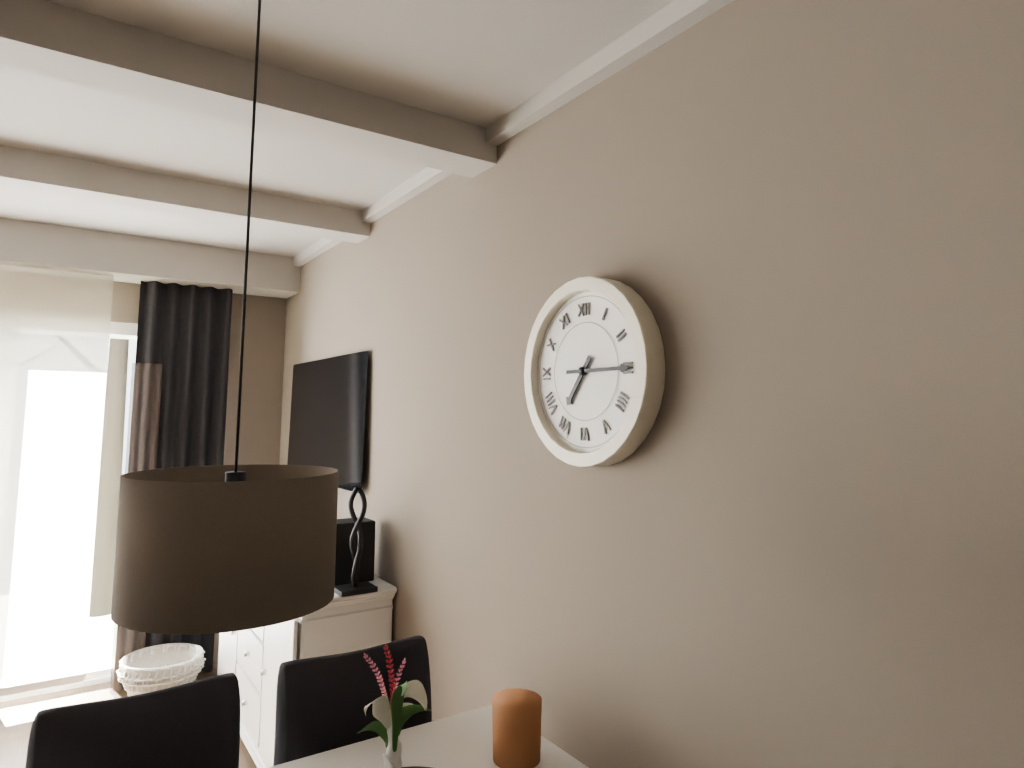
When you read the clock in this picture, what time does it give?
7:15
